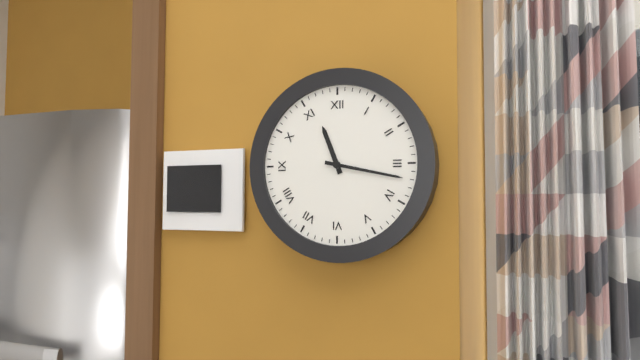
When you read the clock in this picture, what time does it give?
11:17
